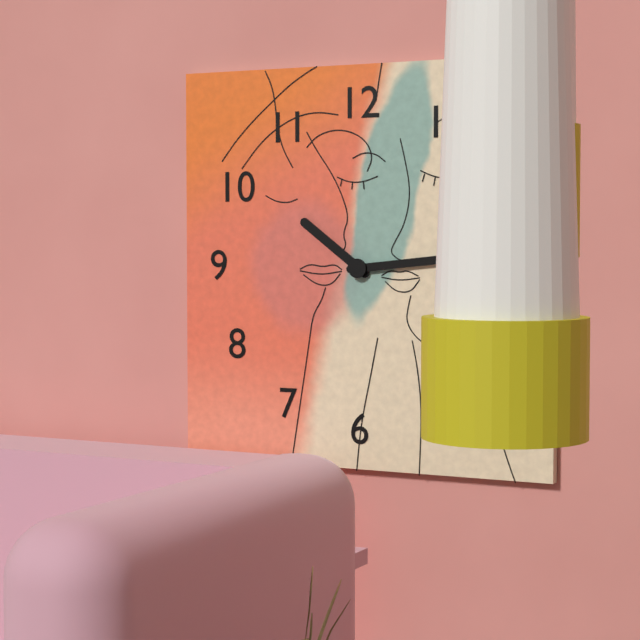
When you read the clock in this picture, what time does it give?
10:14
